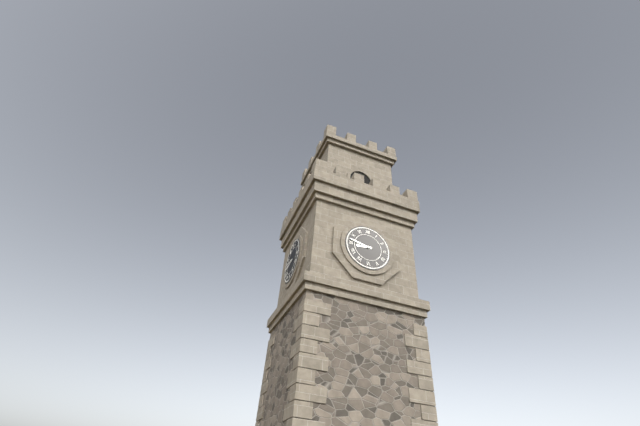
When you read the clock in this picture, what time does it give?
8:47
